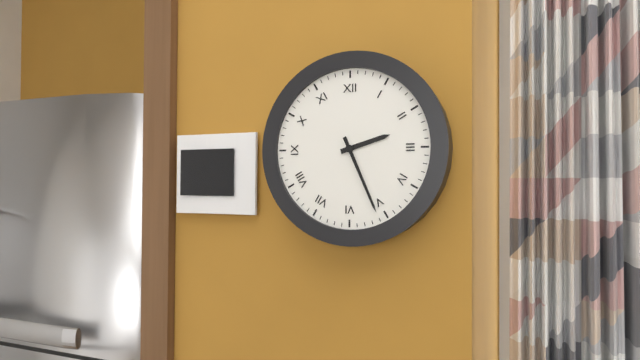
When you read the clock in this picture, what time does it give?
2:26
